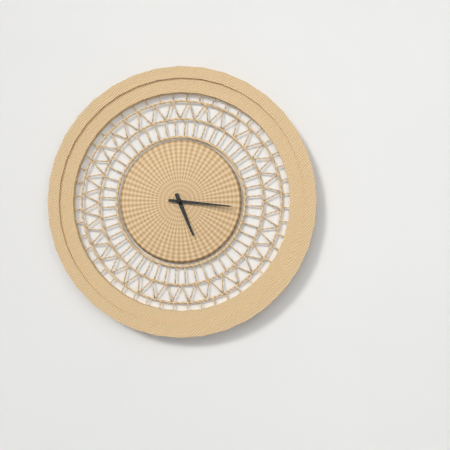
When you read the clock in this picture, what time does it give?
5:16
